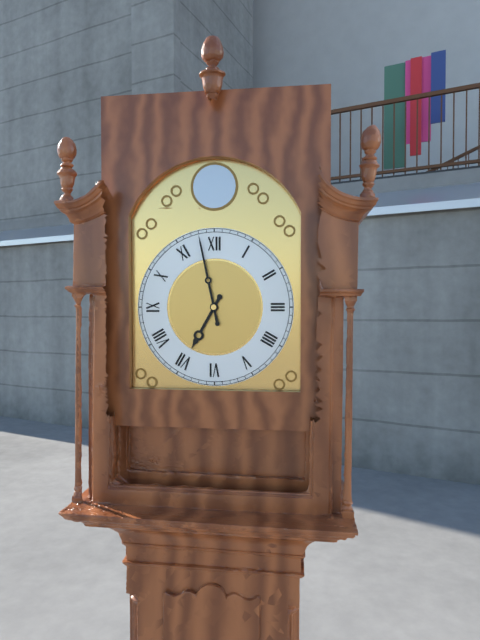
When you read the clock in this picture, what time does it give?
6:58
